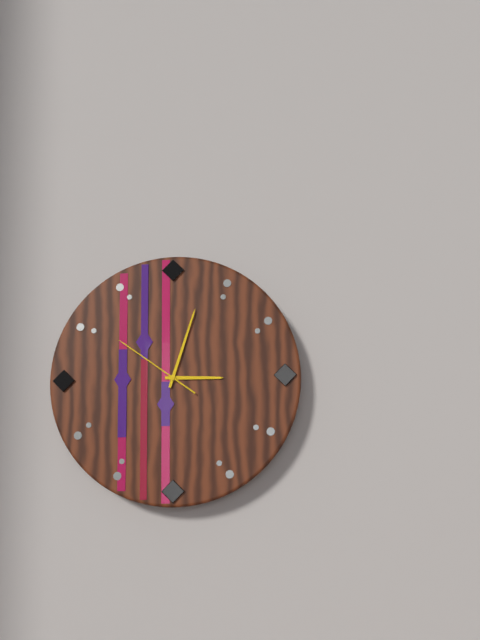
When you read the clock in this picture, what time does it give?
3:03:51
